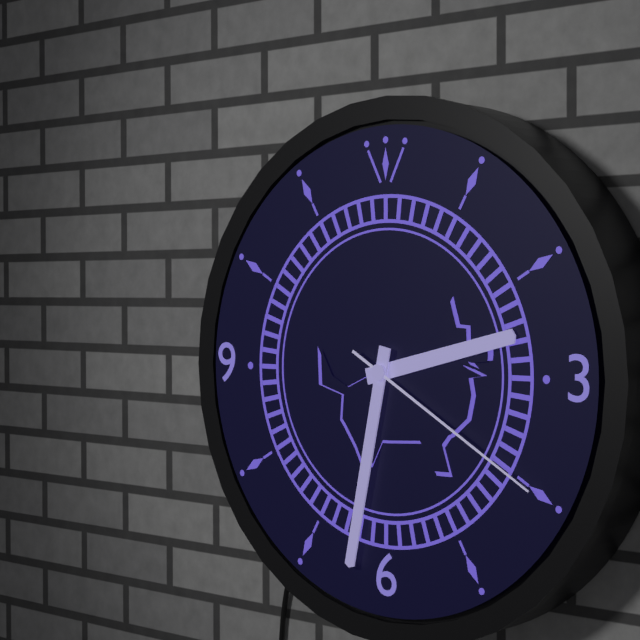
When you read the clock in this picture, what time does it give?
2:32:20
